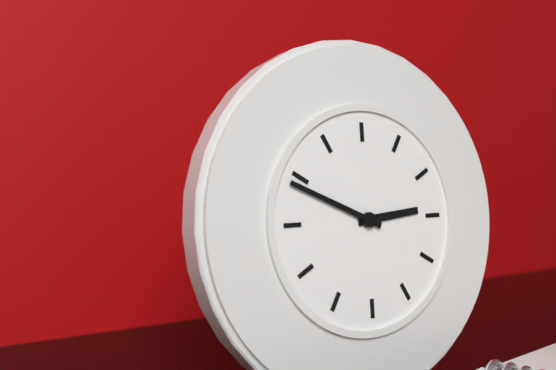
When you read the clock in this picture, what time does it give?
2:49
